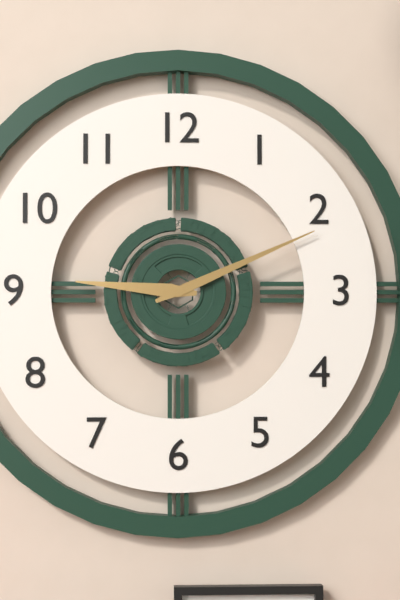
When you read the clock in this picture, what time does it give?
9:11
